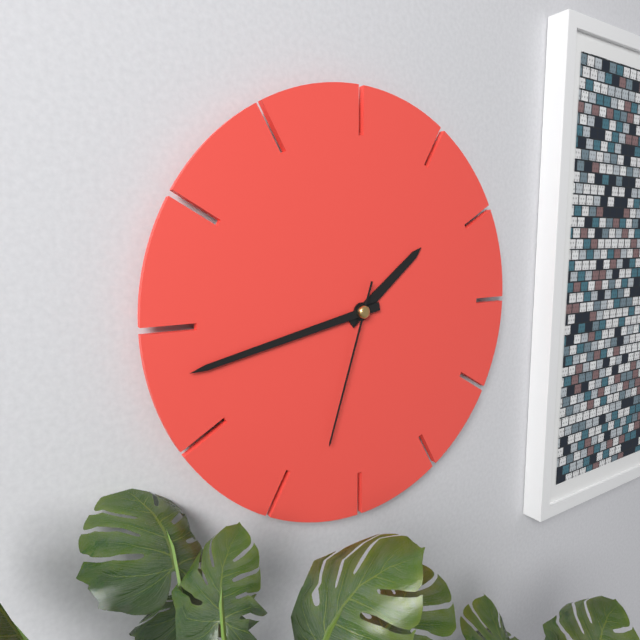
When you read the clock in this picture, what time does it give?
1:43:33
